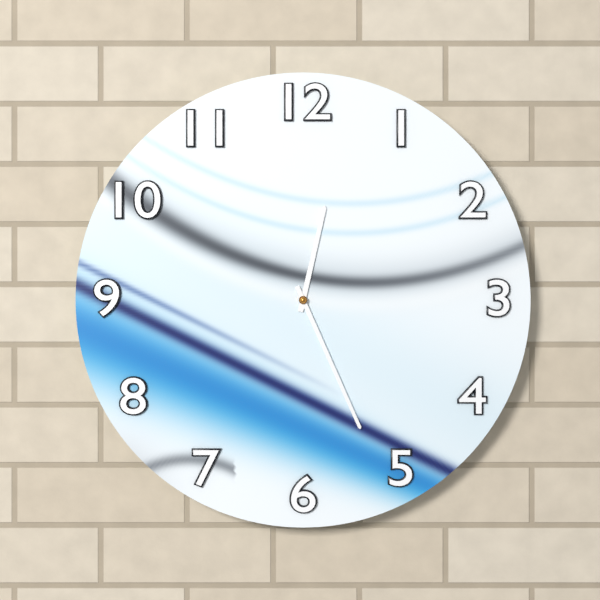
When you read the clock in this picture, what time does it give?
12:26
